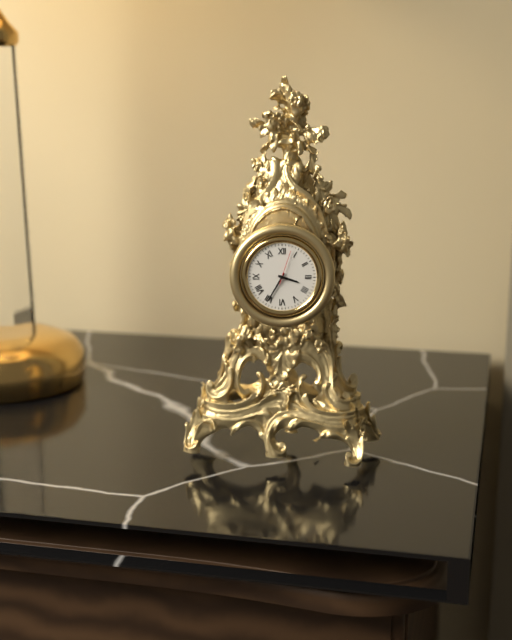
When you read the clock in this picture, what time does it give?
3:35
